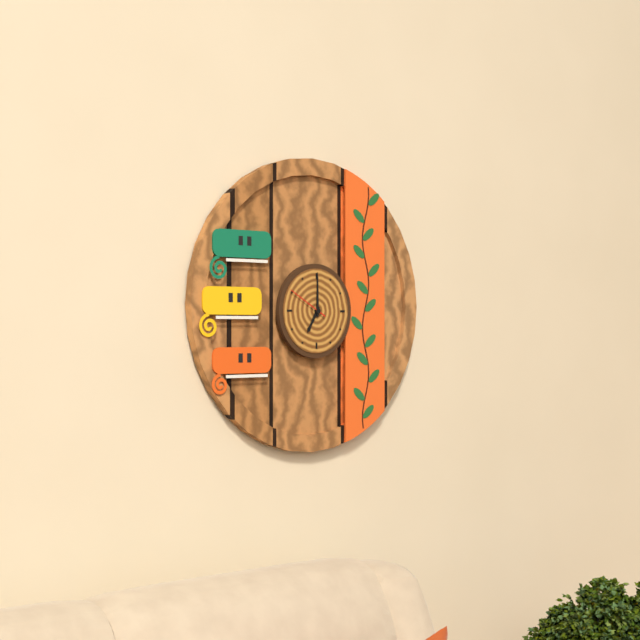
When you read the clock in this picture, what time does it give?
7:00
